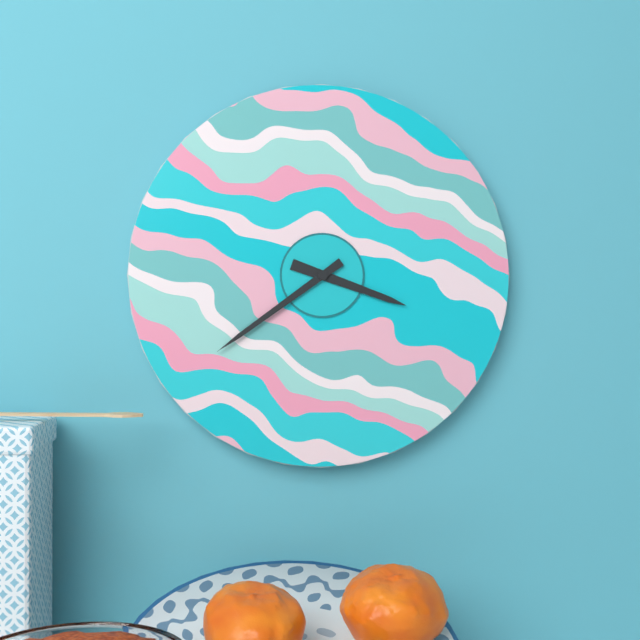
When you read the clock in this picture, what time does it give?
3:39
